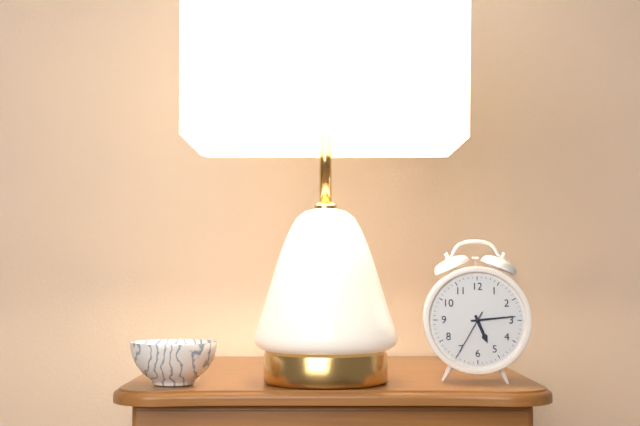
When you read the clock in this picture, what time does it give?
5:14:35
